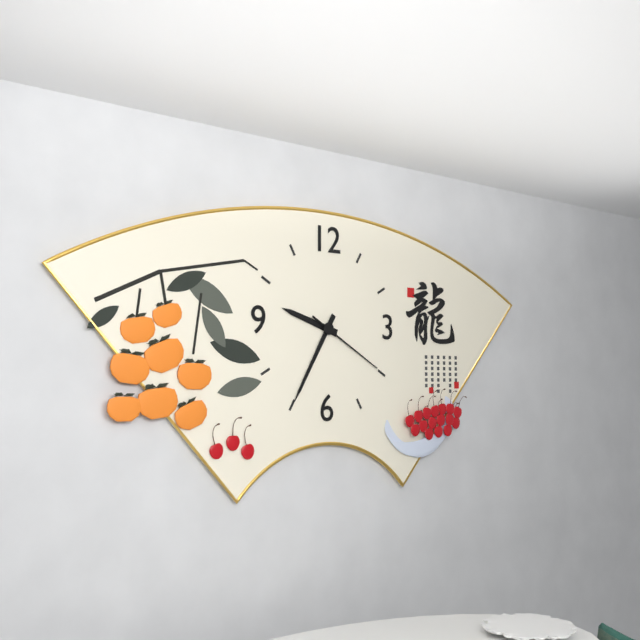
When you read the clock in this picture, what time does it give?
9:35:20
